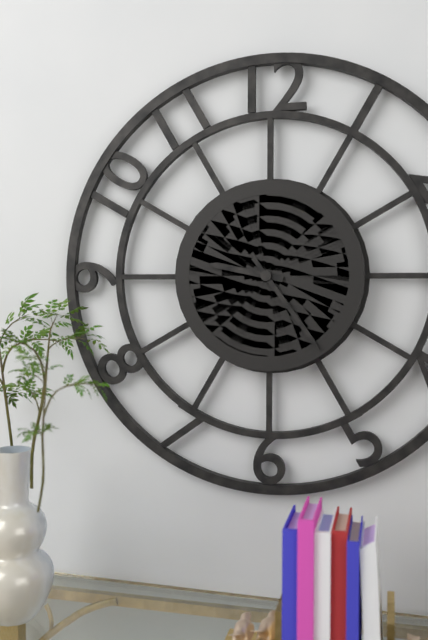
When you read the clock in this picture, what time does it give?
9:24
